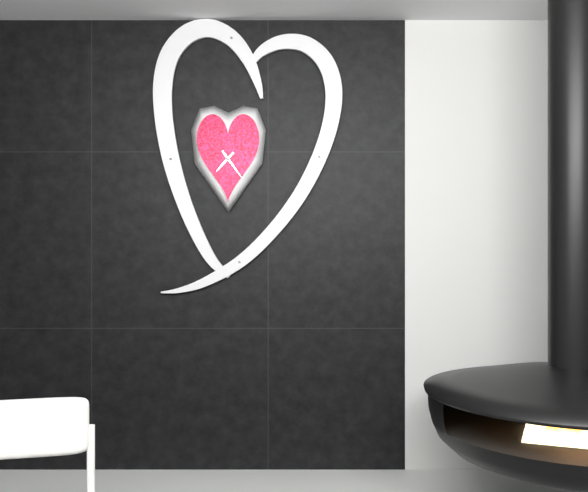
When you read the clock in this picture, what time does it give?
7:24
